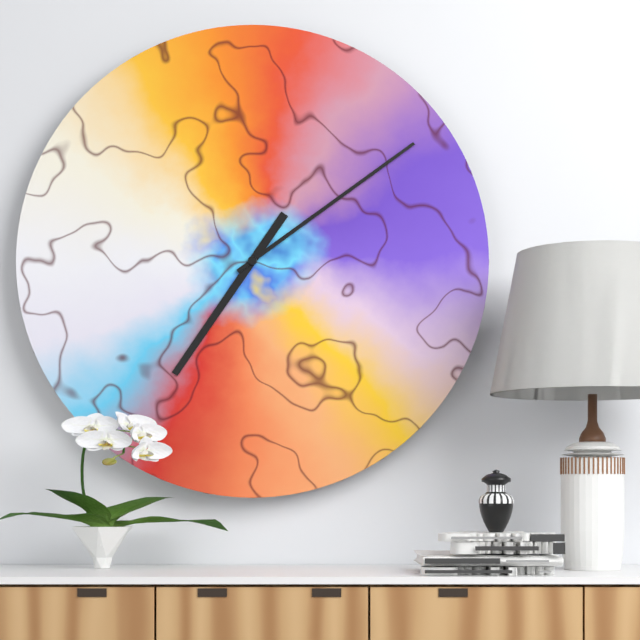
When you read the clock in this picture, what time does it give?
7:09
